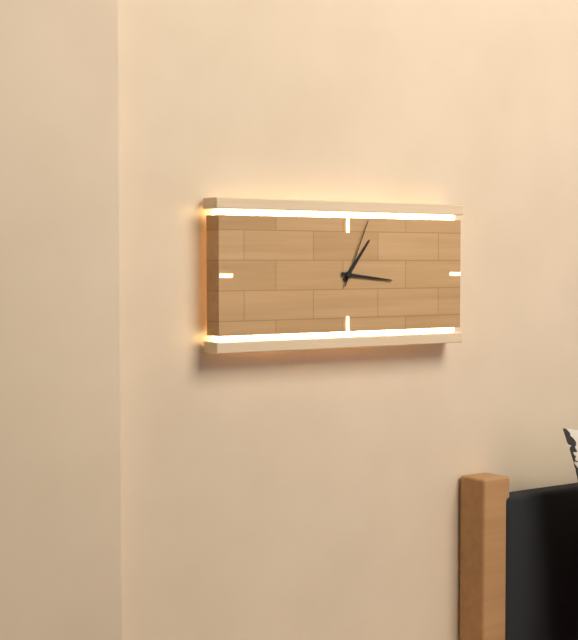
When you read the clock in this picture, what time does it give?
1:16:04
